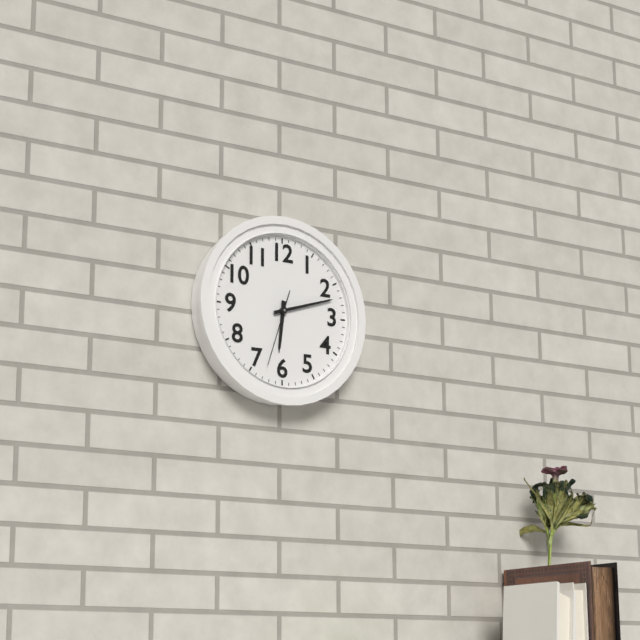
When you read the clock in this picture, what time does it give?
6:12:33
